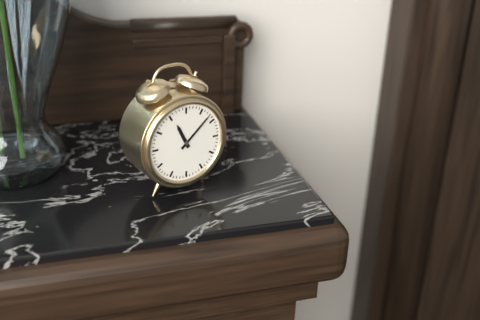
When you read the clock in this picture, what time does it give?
11:08
